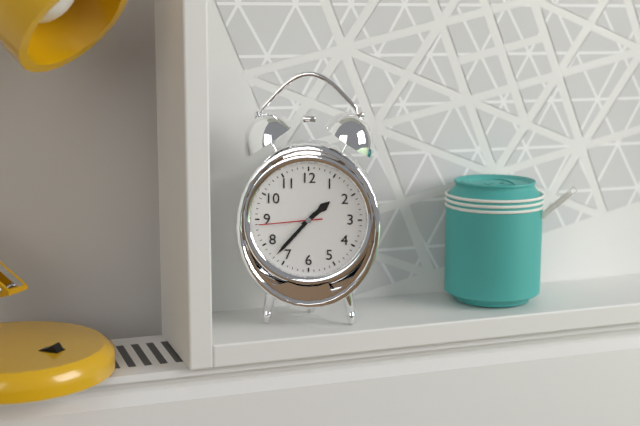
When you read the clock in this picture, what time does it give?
1:37:44
